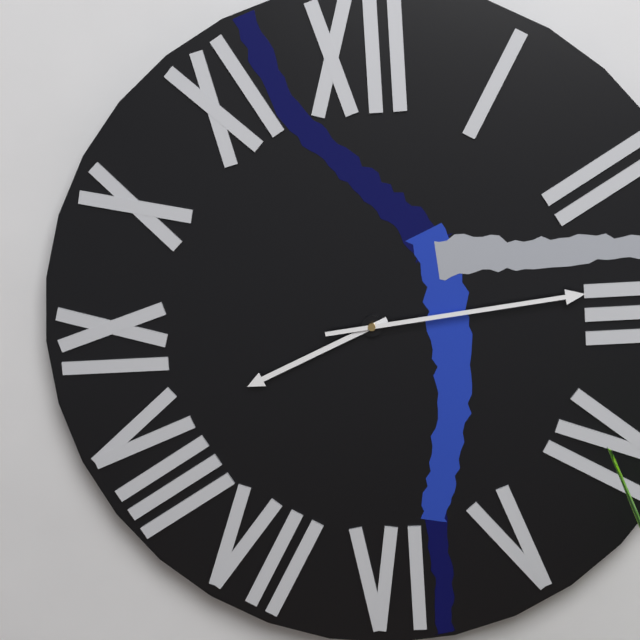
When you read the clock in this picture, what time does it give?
8:14
